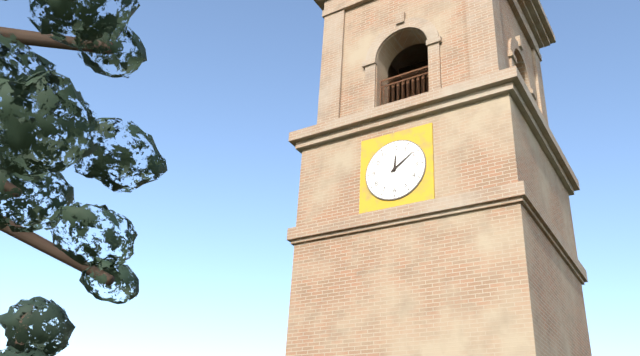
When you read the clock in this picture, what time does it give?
12:09
